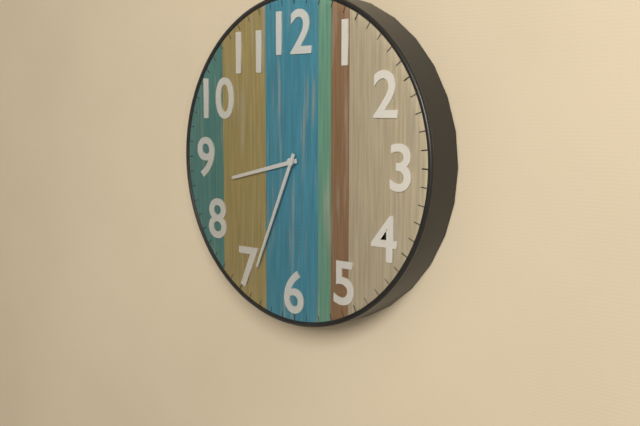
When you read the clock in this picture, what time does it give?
8:34
